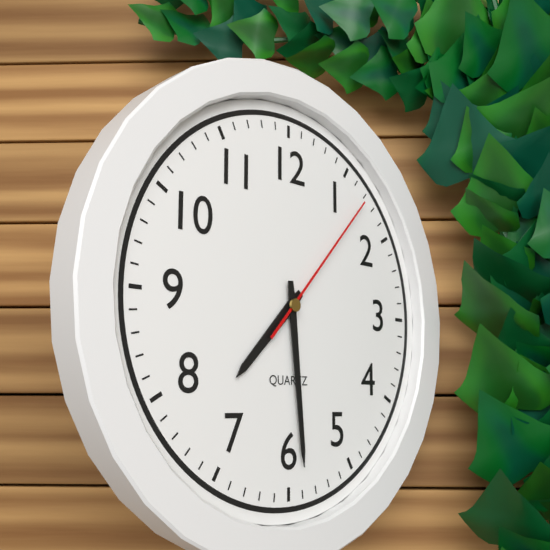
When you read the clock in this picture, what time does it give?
7:29:07
